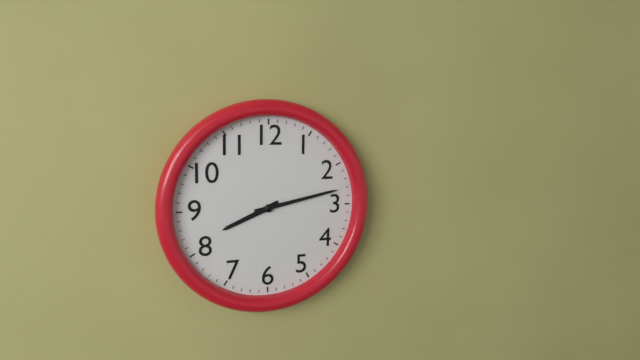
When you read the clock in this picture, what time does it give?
8:13
